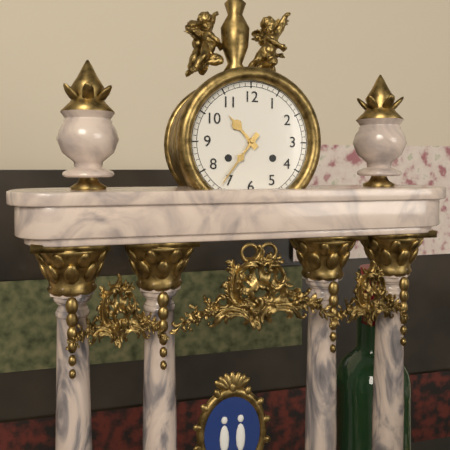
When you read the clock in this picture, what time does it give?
10:36
